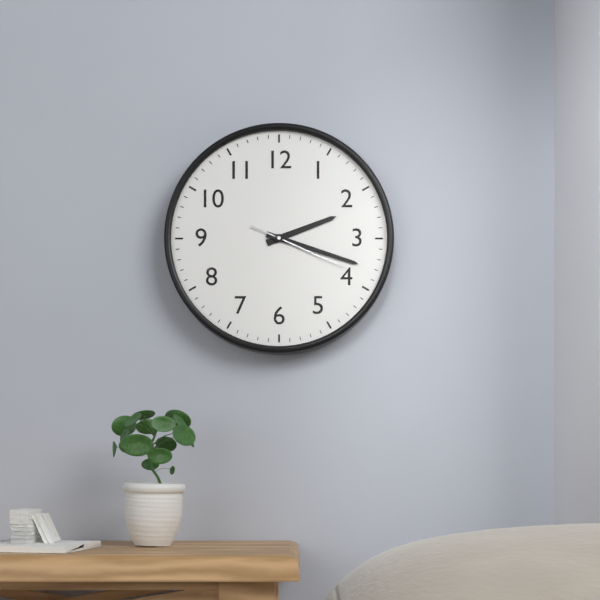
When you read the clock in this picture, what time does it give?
2:18:19
